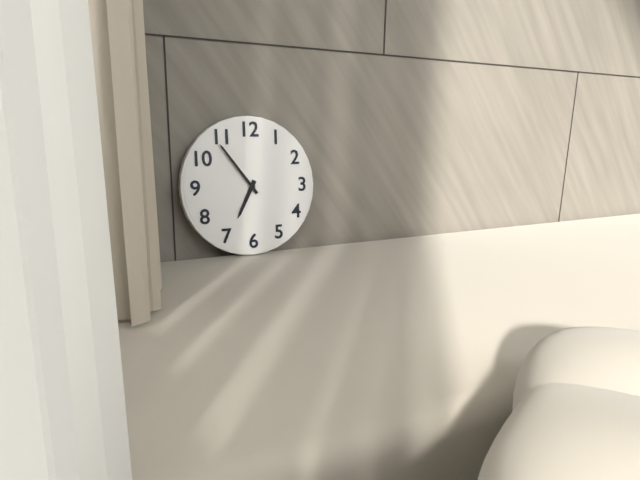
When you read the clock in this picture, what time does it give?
6:54
